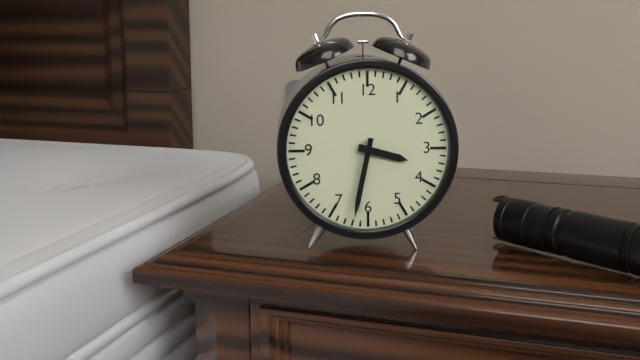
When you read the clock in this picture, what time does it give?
3:32
